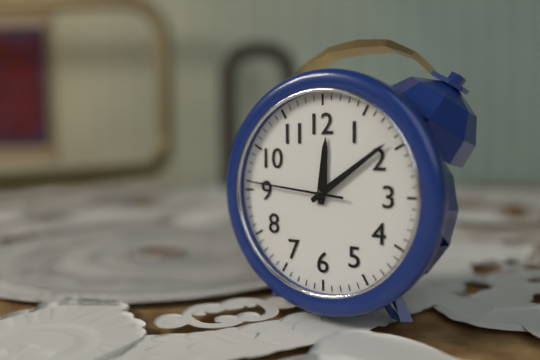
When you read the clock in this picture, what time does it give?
12:09:46
